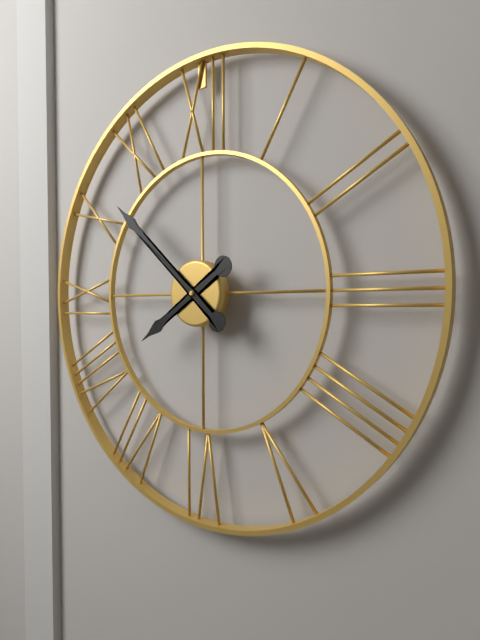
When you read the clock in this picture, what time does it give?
7:52
